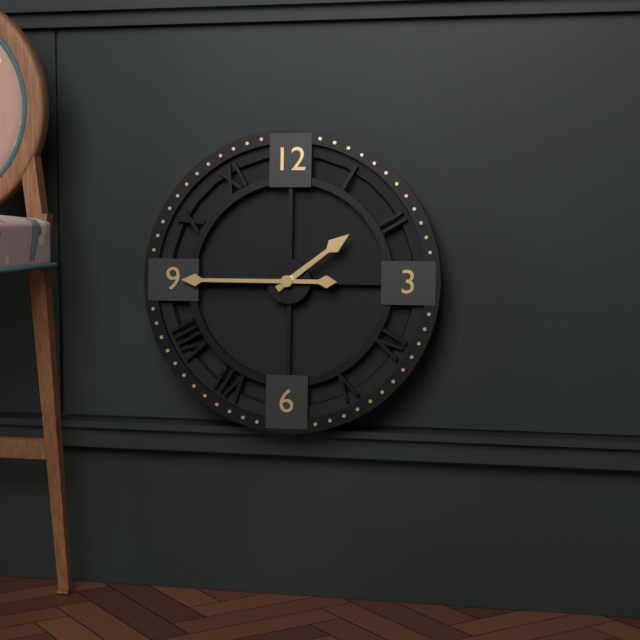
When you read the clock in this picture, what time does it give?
1:45
